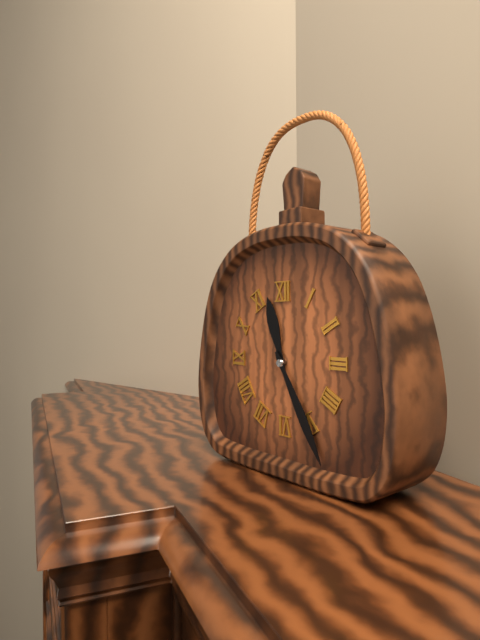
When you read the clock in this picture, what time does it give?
11:25
